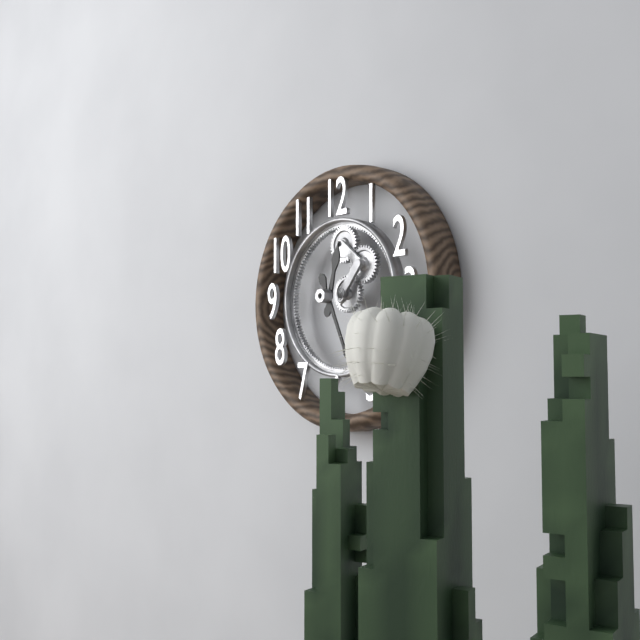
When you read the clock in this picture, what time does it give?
12:26
